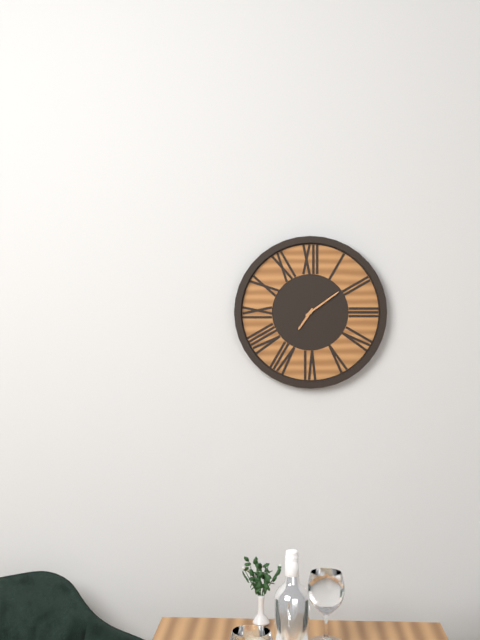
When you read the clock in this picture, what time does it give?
7:09
